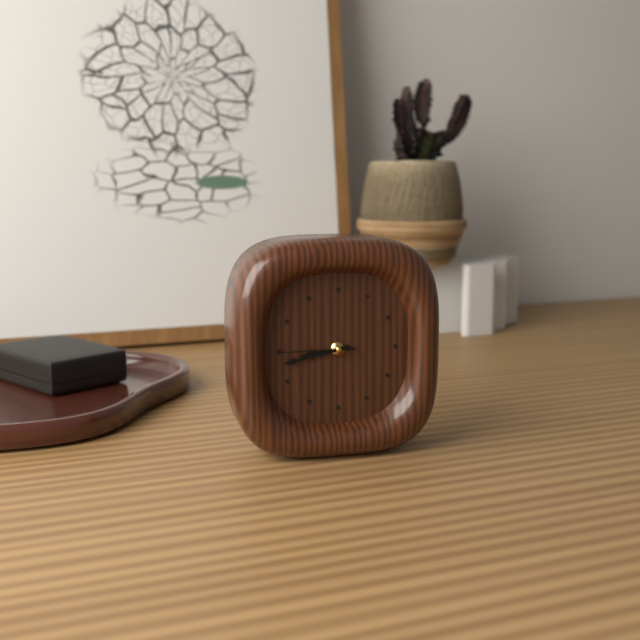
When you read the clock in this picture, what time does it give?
8:43:45
